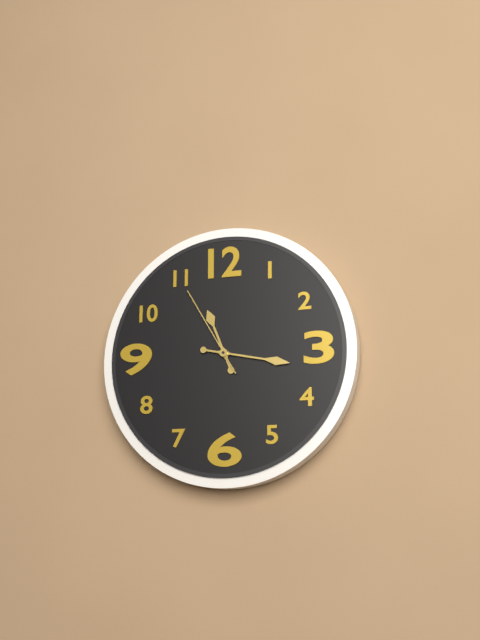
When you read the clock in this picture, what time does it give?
11:17:55
